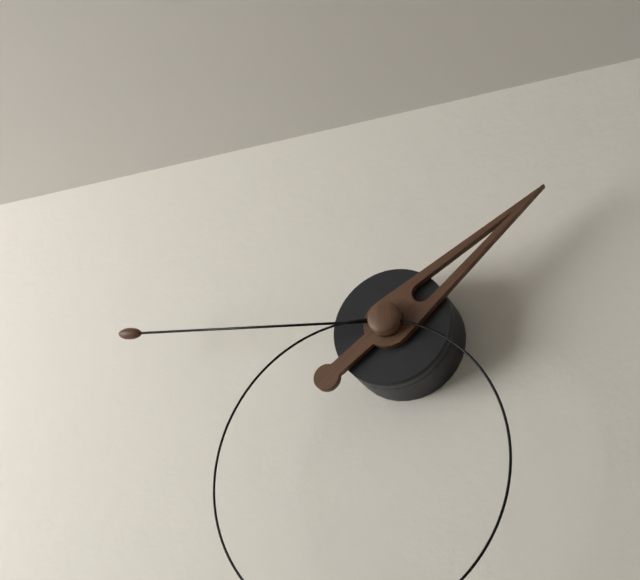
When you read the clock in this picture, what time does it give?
1:46
